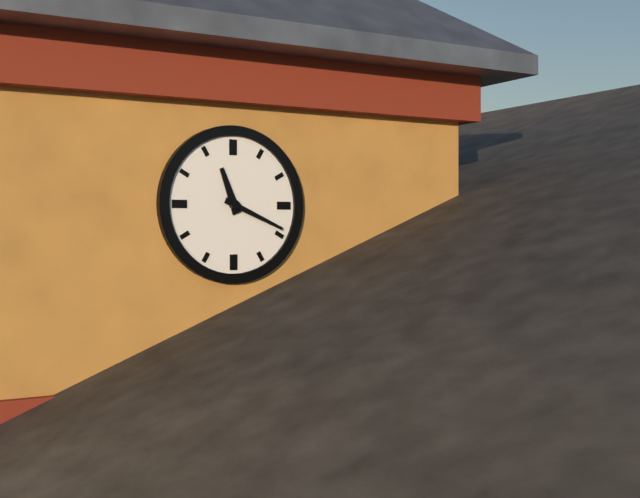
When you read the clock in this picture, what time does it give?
11:19
